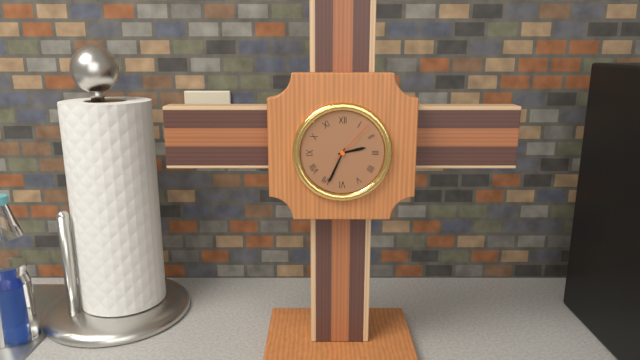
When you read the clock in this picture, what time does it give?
2:34
